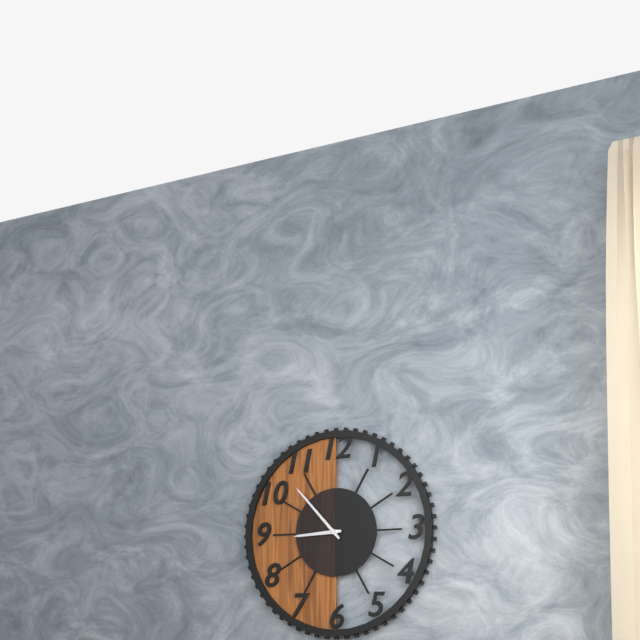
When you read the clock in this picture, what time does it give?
8:53
